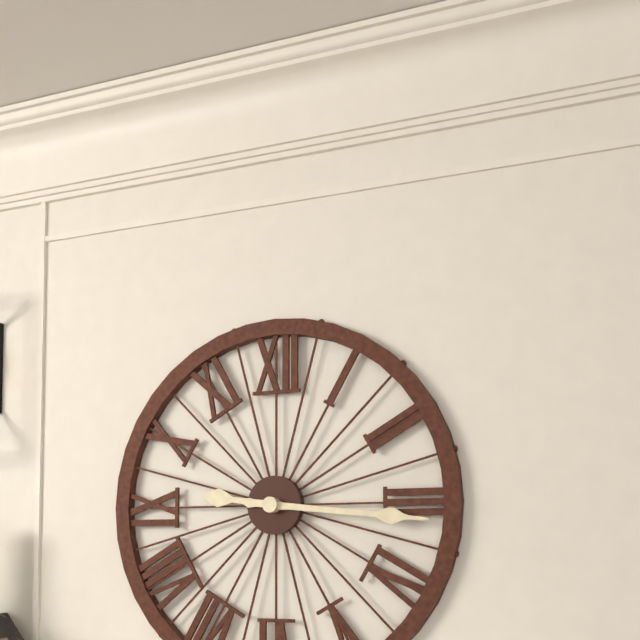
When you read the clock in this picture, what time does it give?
9:16
